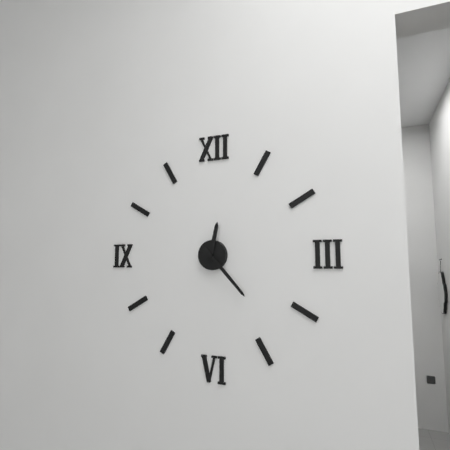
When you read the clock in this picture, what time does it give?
12:23
